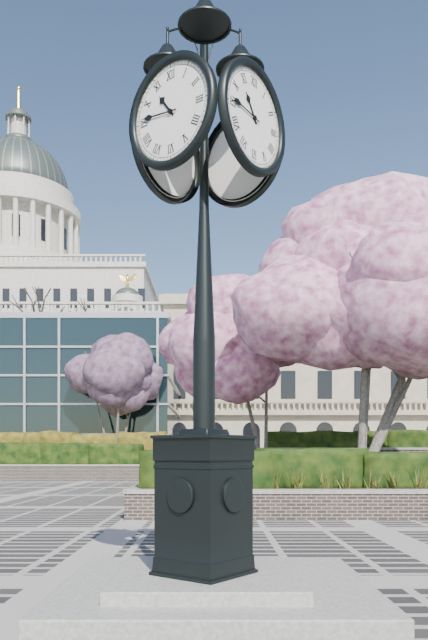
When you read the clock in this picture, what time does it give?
10:46
